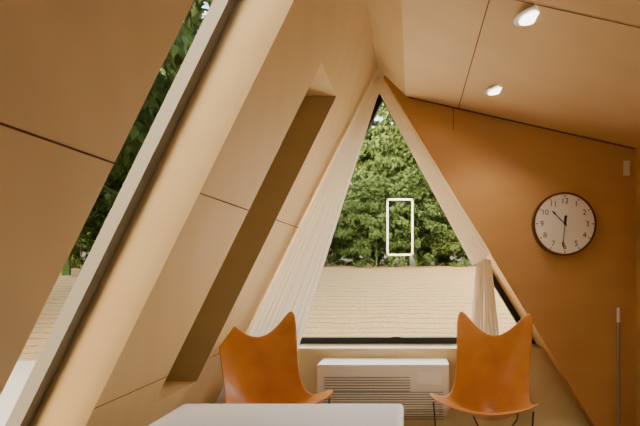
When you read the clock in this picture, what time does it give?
10:31
